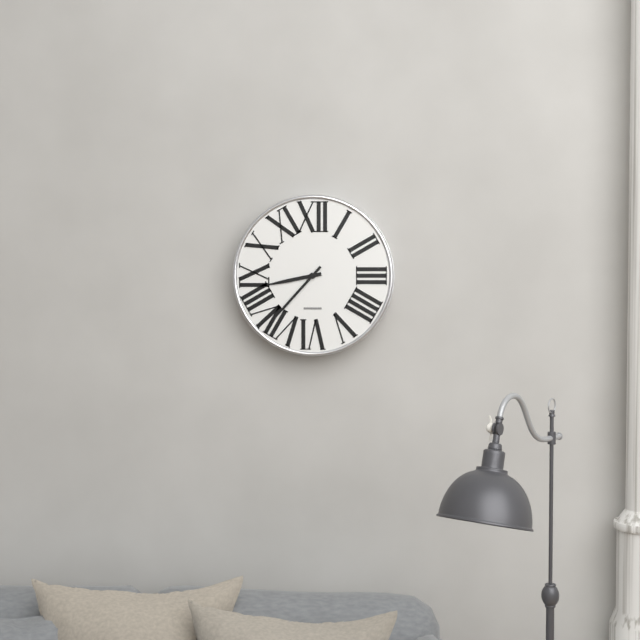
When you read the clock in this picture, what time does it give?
8:37
